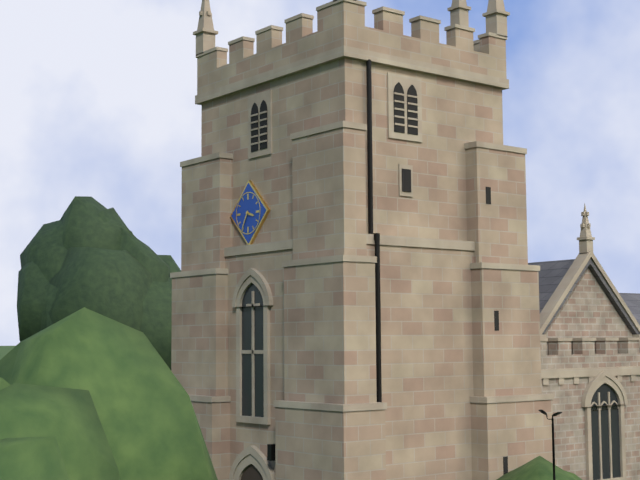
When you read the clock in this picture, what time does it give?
3:35
